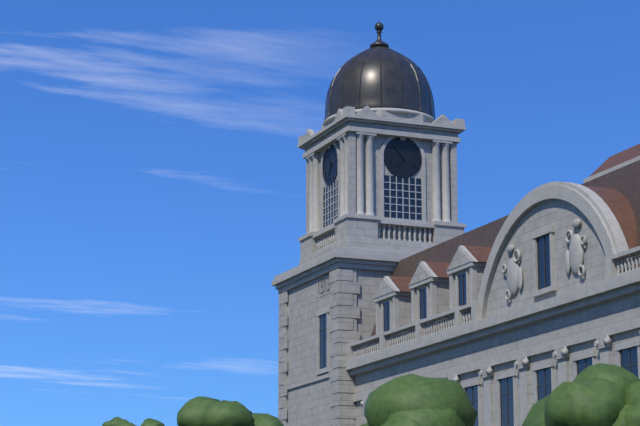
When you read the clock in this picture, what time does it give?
6:53
